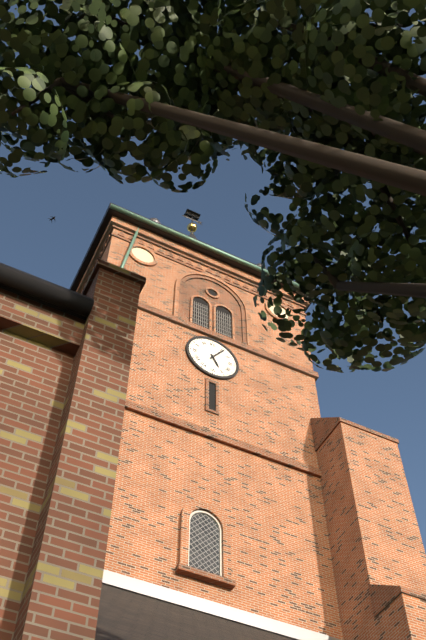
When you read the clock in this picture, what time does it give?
5:06
